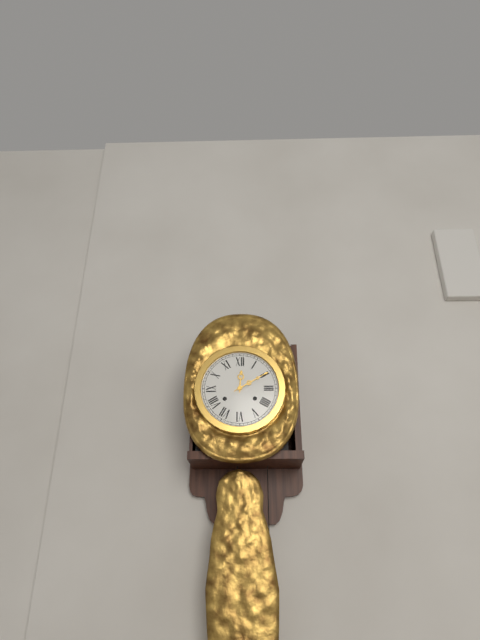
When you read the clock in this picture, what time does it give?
12:10
